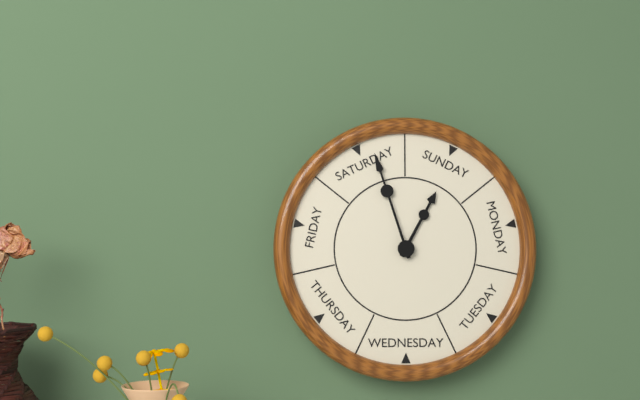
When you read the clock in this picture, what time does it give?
12:57
